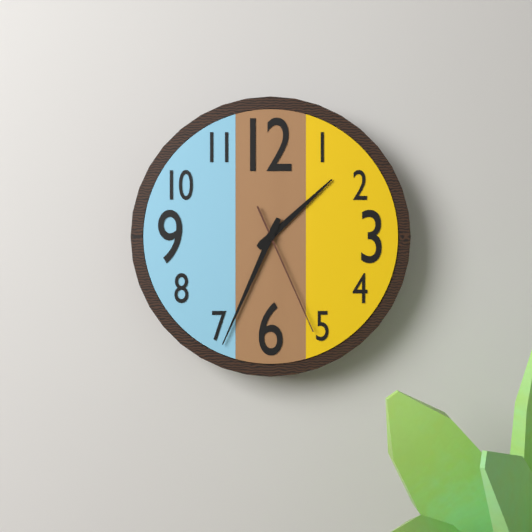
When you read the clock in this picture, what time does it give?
1:34:26
